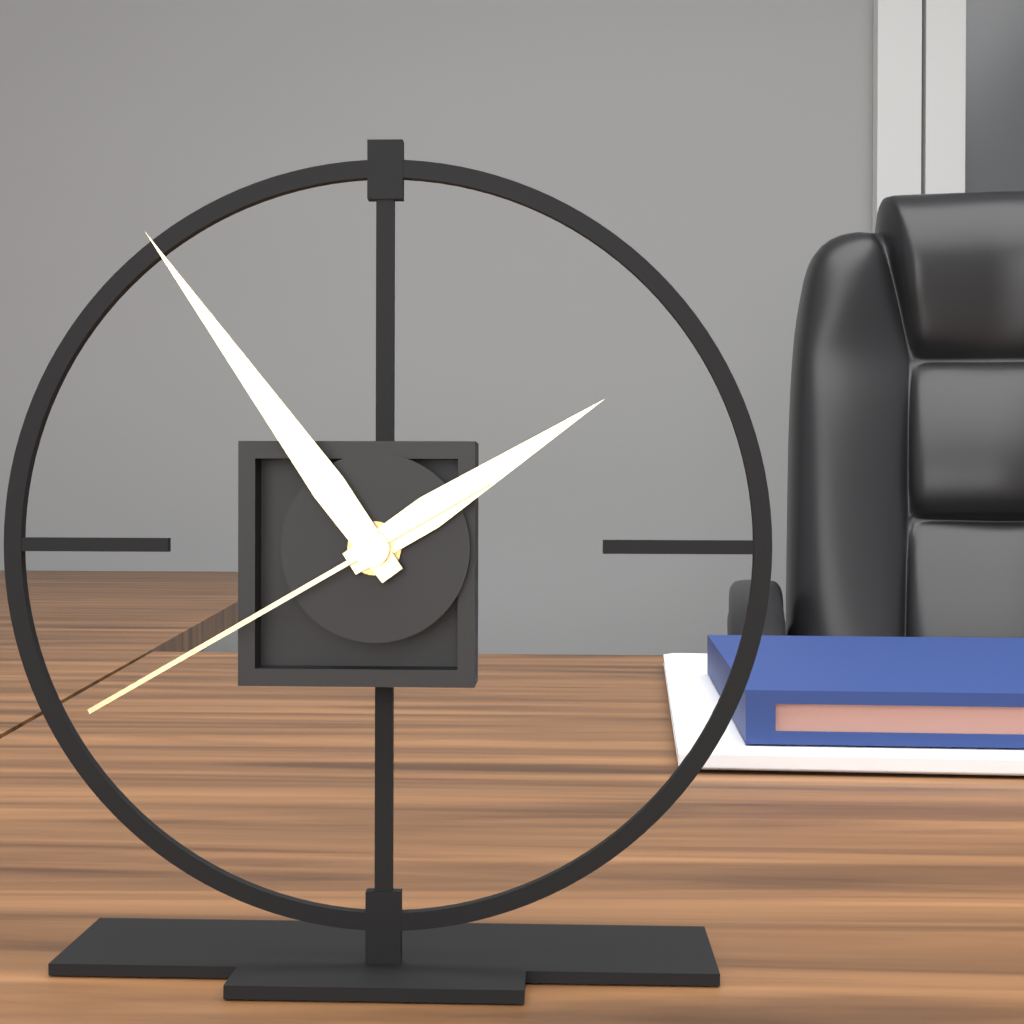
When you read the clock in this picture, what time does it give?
1:54:40
